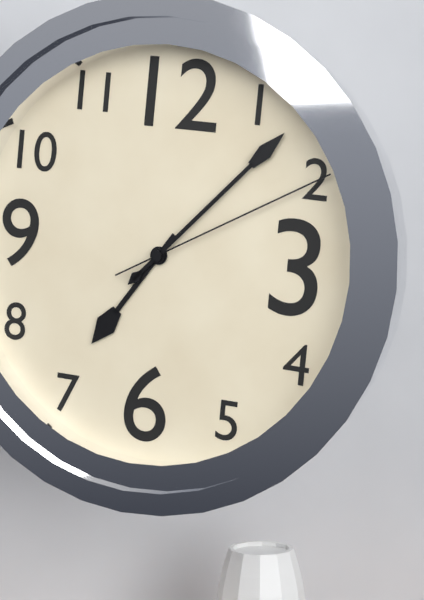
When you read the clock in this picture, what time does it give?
7:07:10
